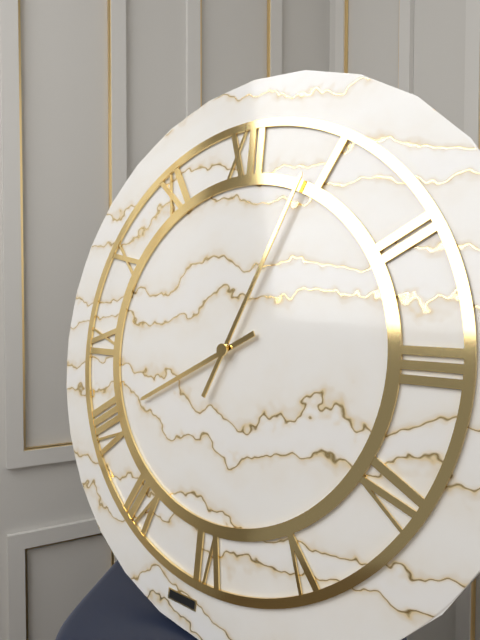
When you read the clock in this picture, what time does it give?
8:04
